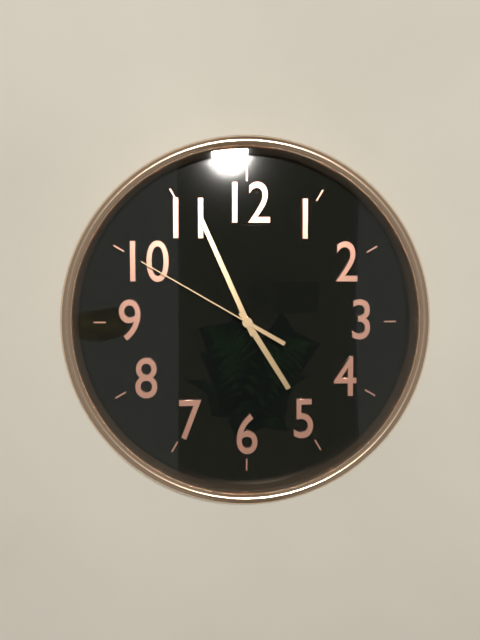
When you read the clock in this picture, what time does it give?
4:56:50
